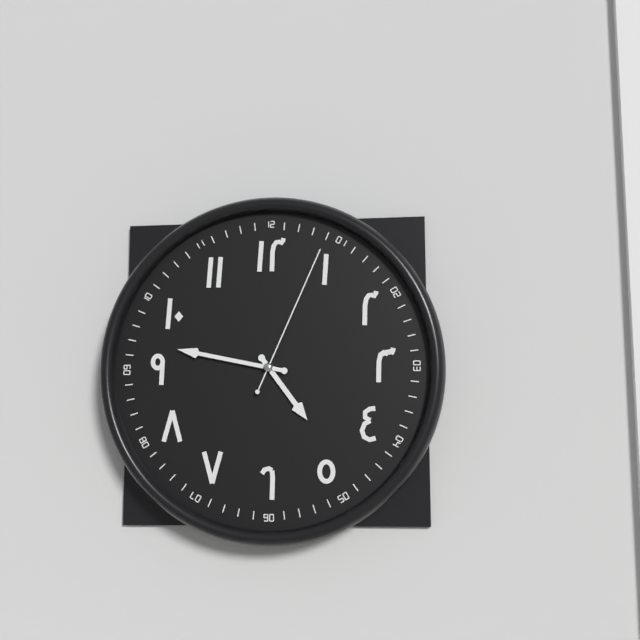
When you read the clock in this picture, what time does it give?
4:47:04
